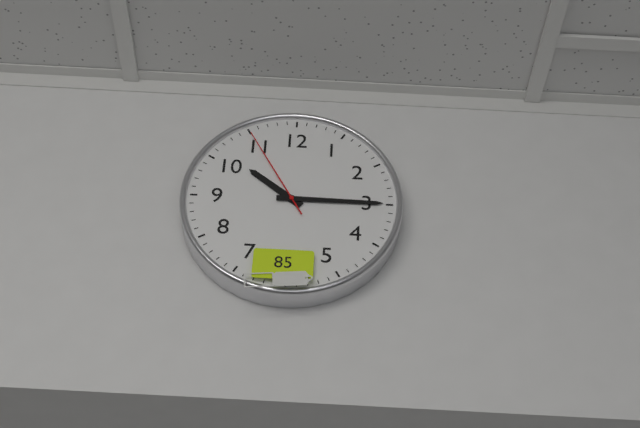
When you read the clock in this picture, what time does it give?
10:15:55
